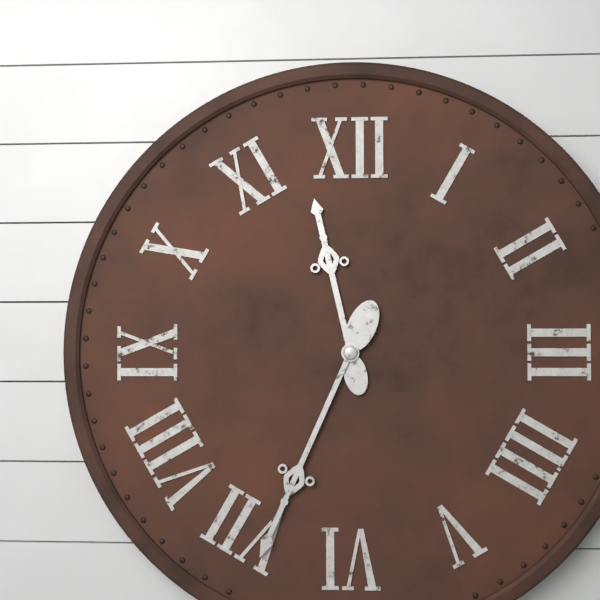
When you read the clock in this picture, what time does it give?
11:34
